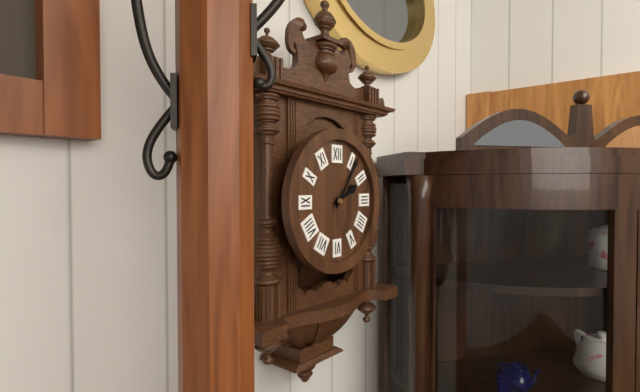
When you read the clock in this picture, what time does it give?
2:06
